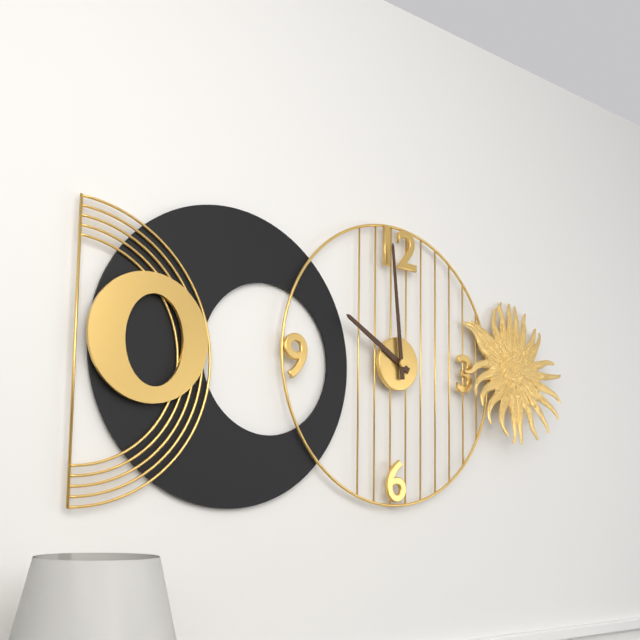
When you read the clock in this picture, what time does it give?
9:59
